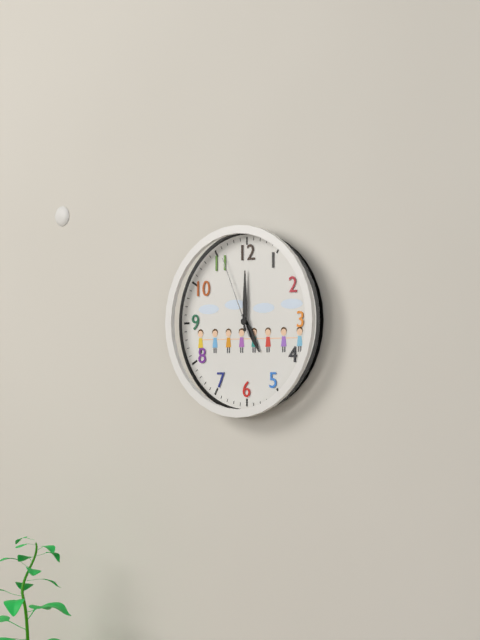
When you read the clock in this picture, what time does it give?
5:00:56
